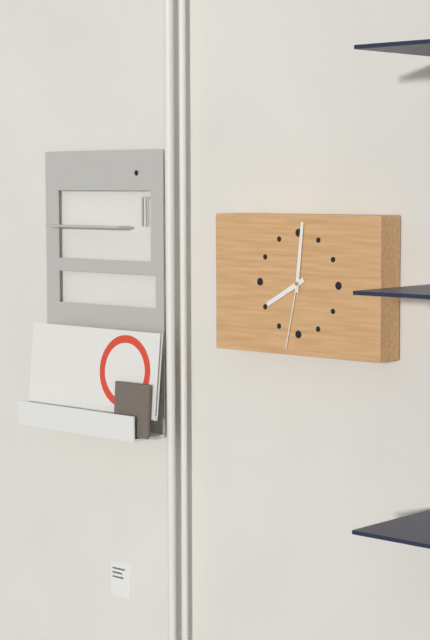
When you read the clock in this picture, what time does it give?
8:01:32
